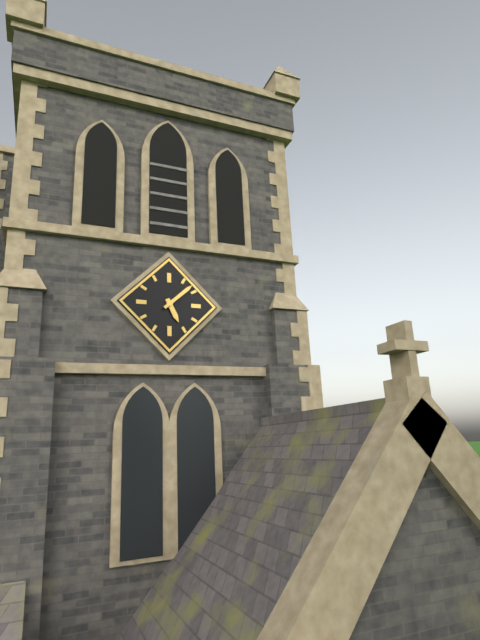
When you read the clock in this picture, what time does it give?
5:08
